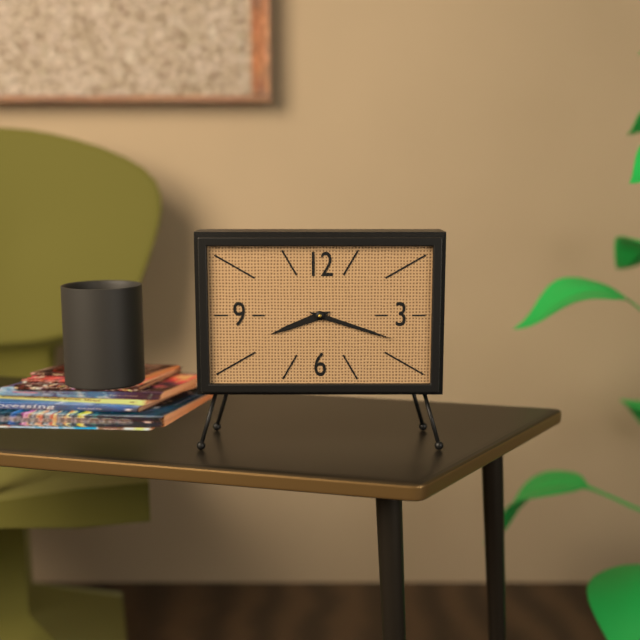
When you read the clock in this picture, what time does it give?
8:18
